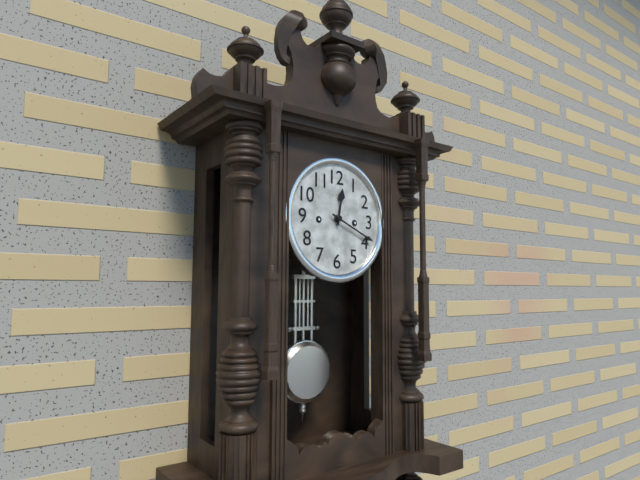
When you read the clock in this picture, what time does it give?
12:19
